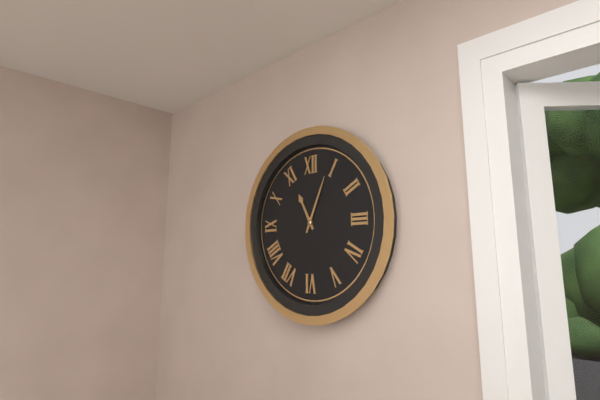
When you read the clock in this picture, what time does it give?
11:04
